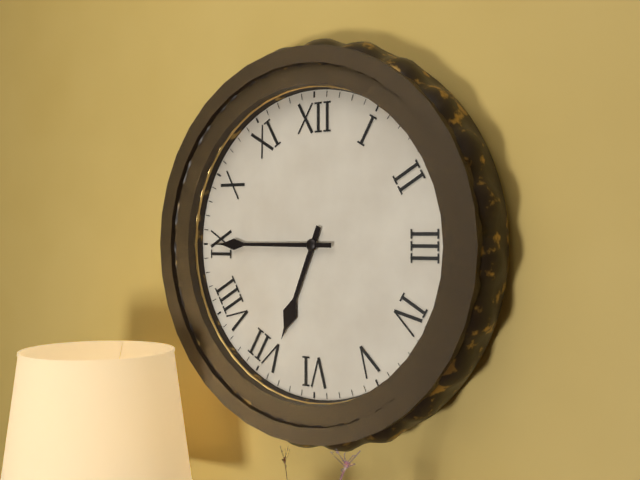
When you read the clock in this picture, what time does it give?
6:45
